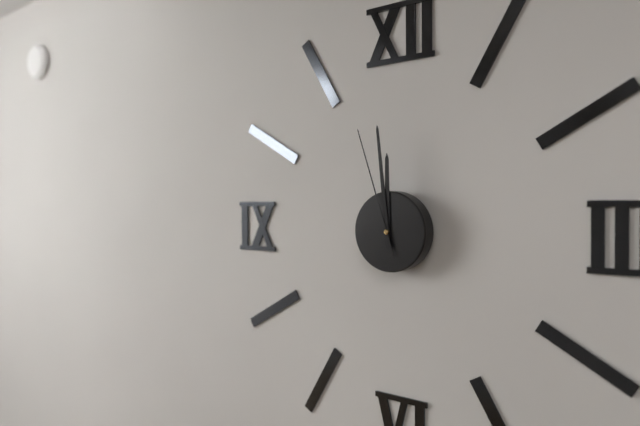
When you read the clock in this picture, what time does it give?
11:59:57
